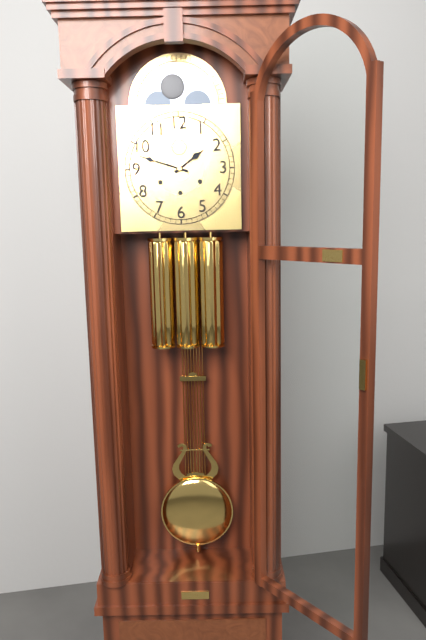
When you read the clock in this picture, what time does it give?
1:48
